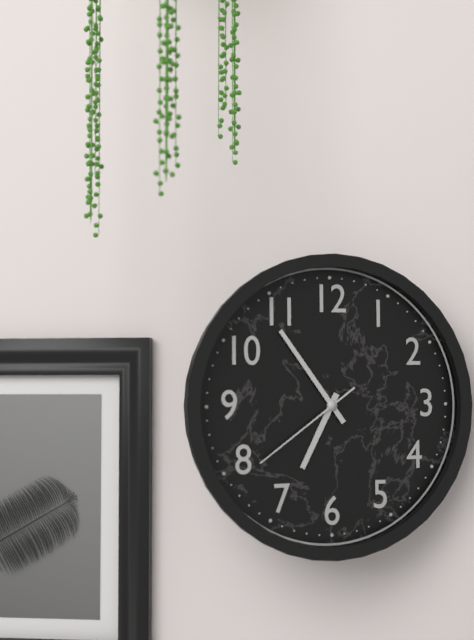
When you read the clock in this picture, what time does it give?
6:54:39
